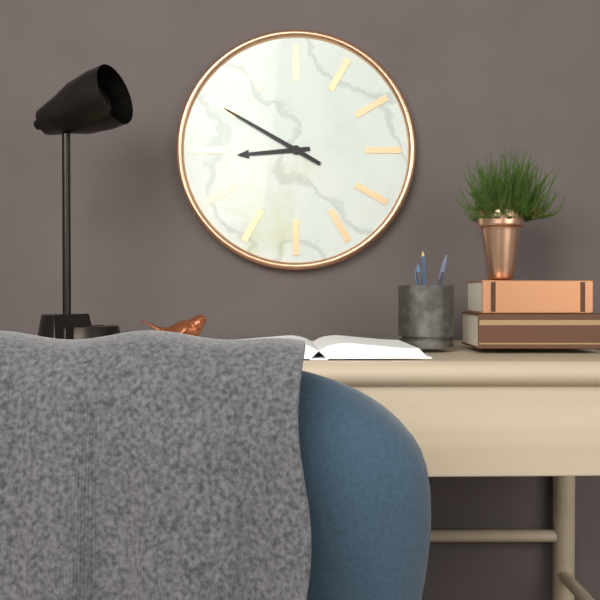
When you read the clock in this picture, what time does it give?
8:50
